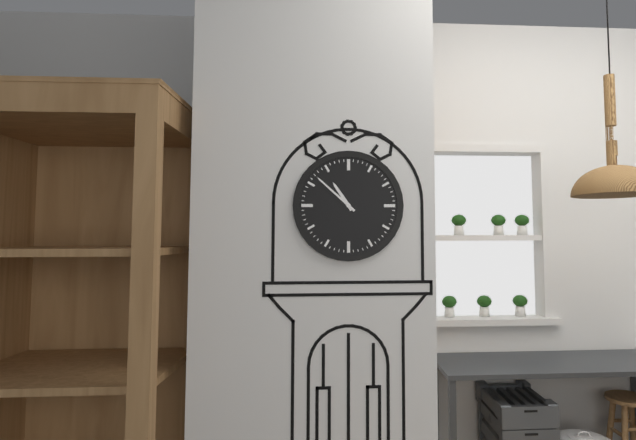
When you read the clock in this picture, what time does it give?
10:52
